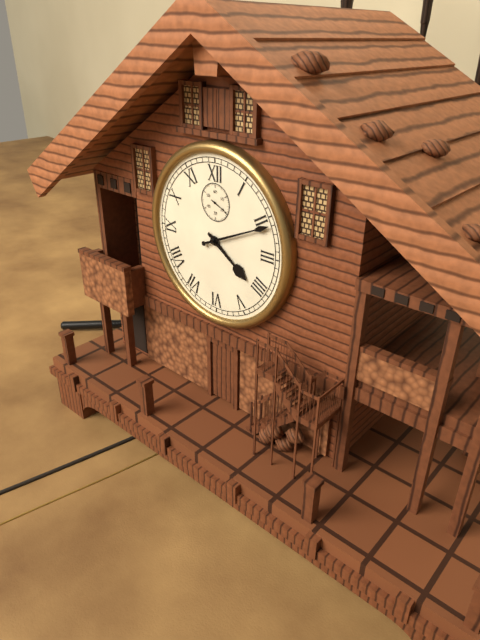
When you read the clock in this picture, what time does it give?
4:11
